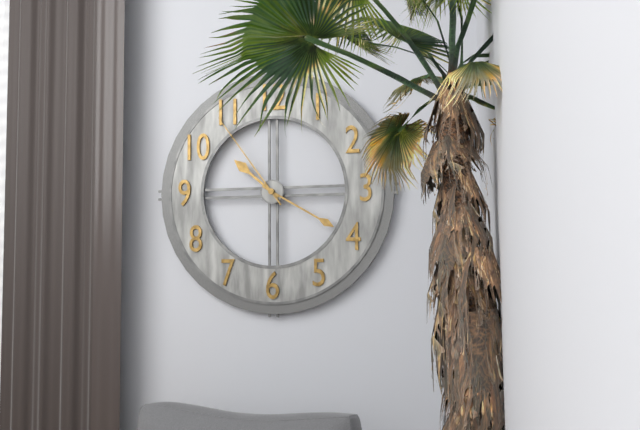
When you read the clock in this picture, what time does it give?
10:20:54
